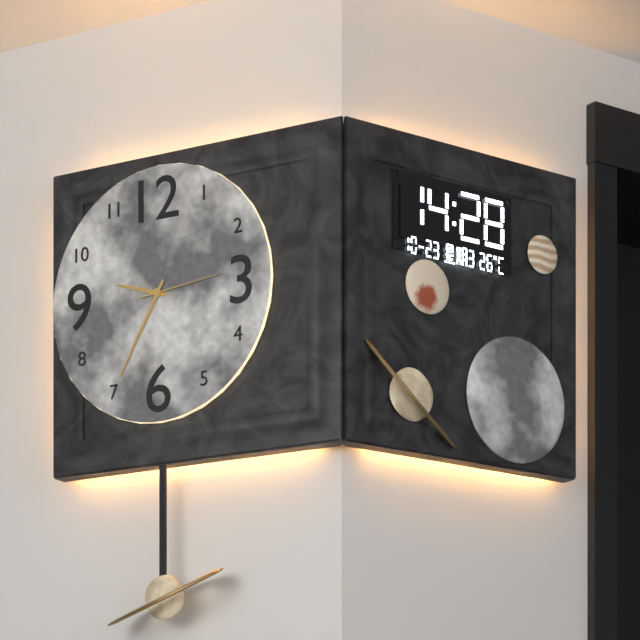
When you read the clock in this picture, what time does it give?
9:35:14
